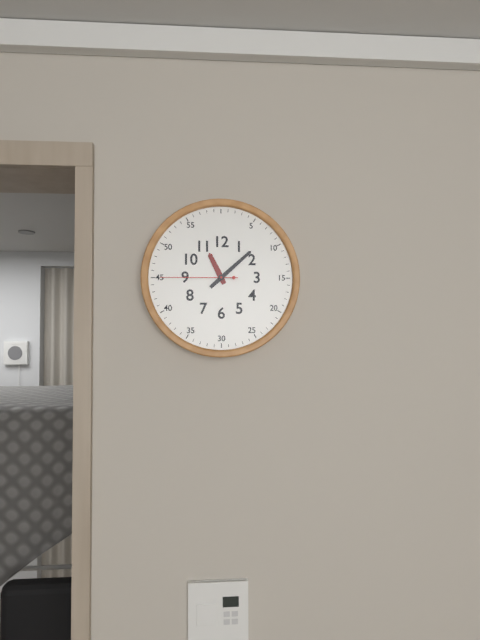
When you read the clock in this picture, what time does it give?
11:08:45
